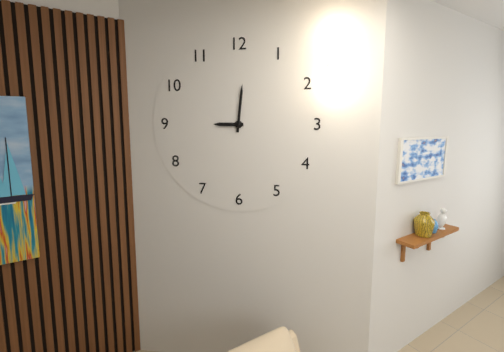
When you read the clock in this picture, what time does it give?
9:01
